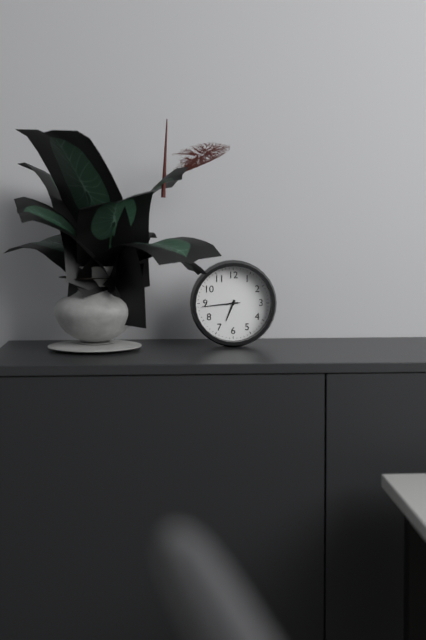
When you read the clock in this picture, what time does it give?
6:44
